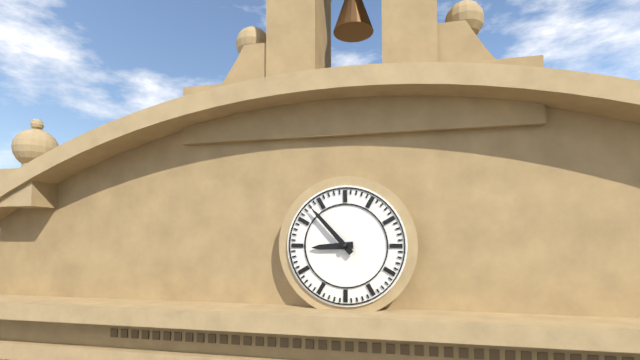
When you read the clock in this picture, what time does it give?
8:53
